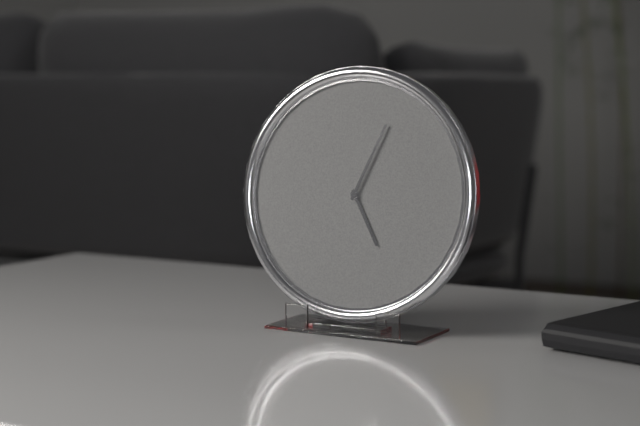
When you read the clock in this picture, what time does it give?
5:04
